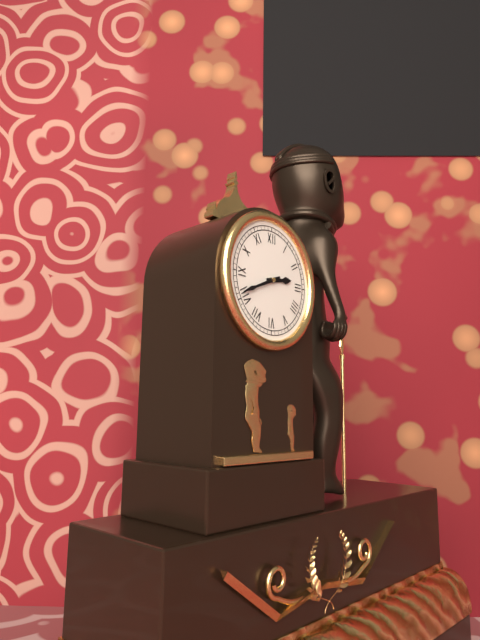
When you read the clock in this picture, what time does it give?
2:41
